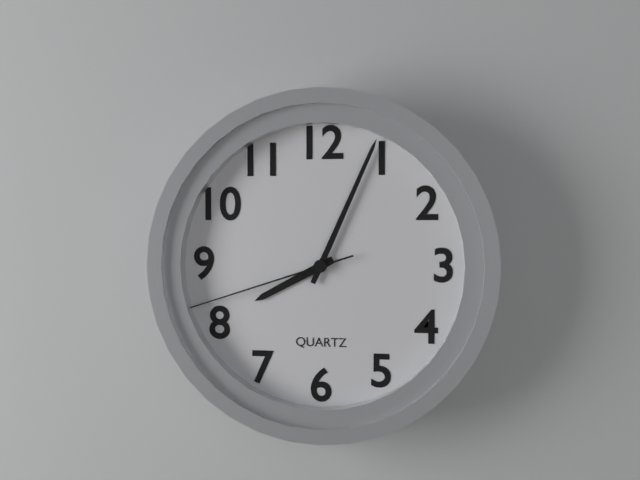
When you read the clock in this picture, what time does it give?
8:04:42
